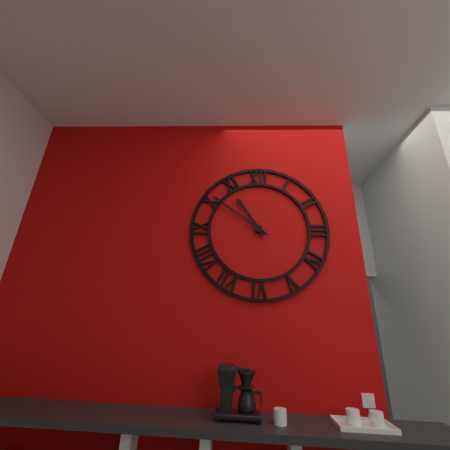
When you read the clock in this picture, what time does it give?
10:51
